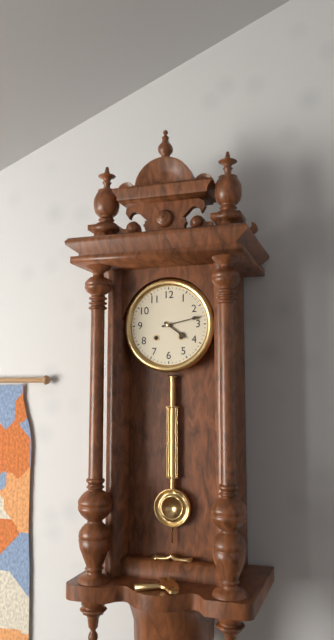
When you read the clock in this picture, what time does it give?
4:13
